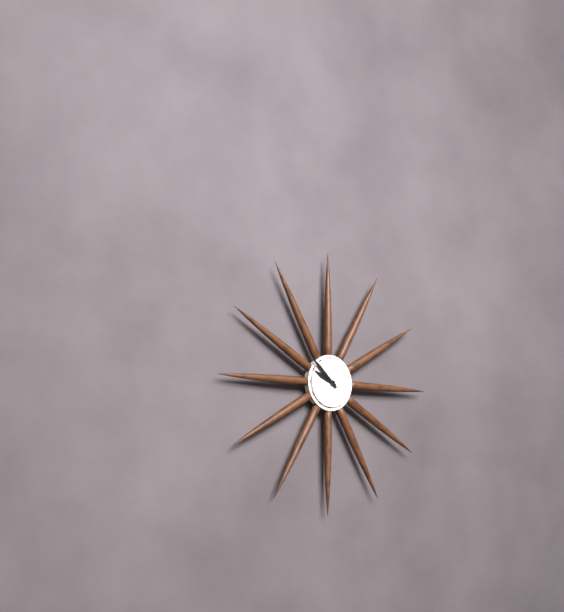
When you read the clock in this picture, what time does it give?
9:52
